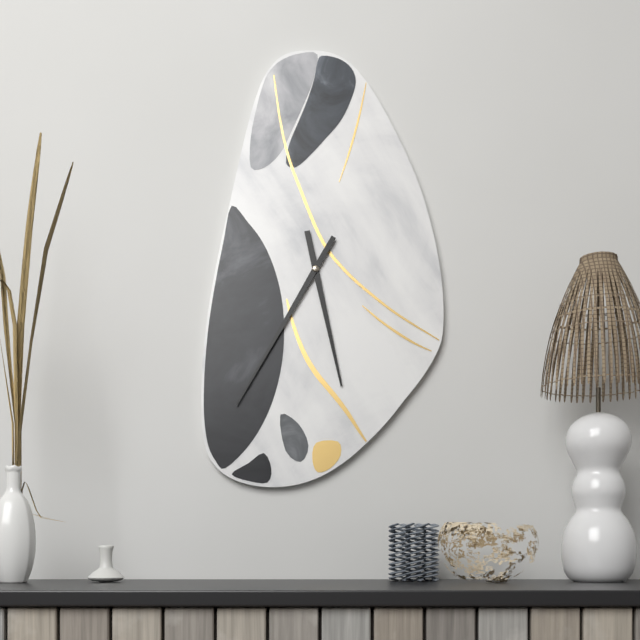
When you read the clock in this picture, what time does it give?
5:35
